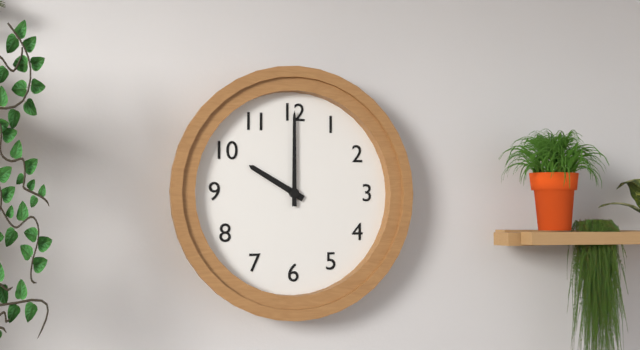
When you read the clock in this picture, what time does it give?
10:00
